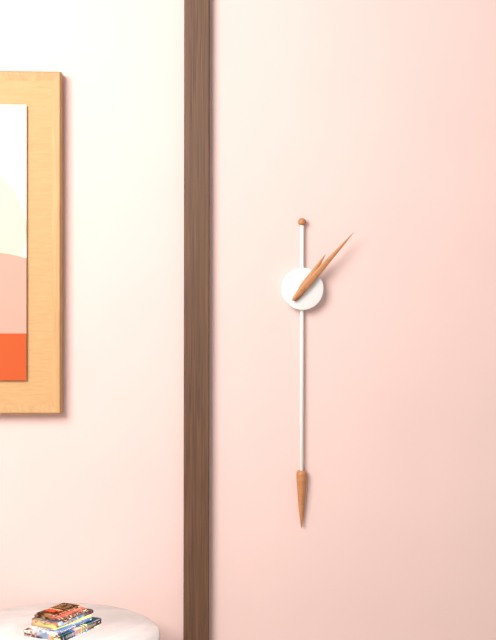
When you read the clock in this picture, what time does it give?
1:07
